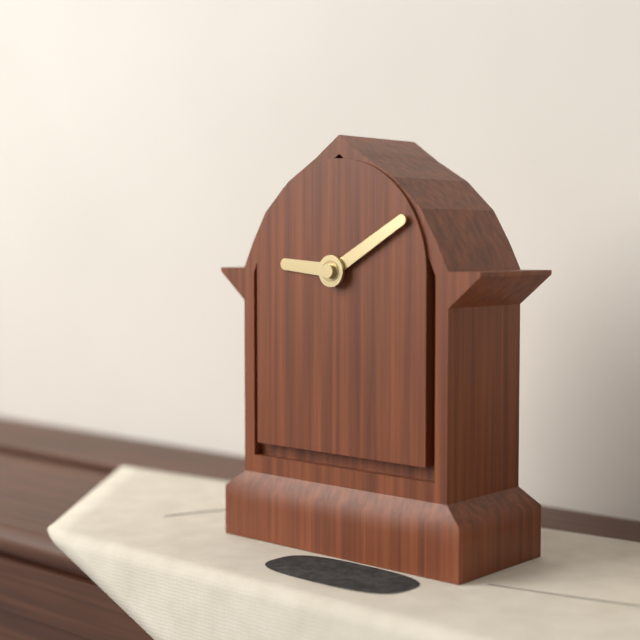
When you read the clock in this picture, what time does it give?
9:10
